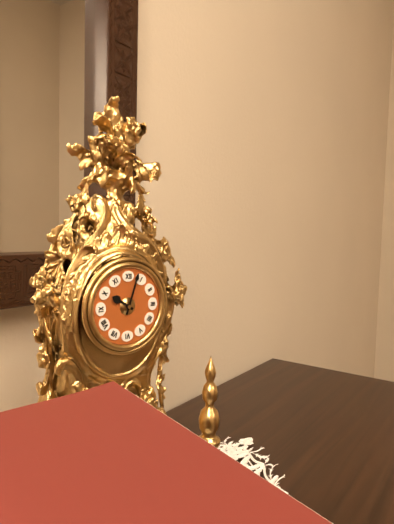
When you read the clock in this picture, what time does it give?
10:03
